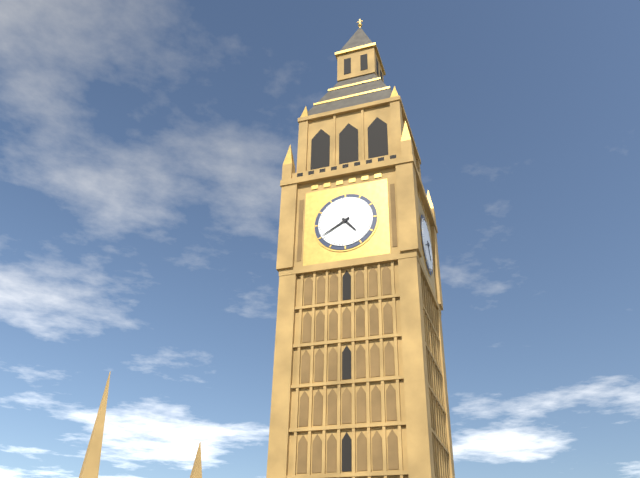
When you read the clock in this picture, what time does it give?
4:40
